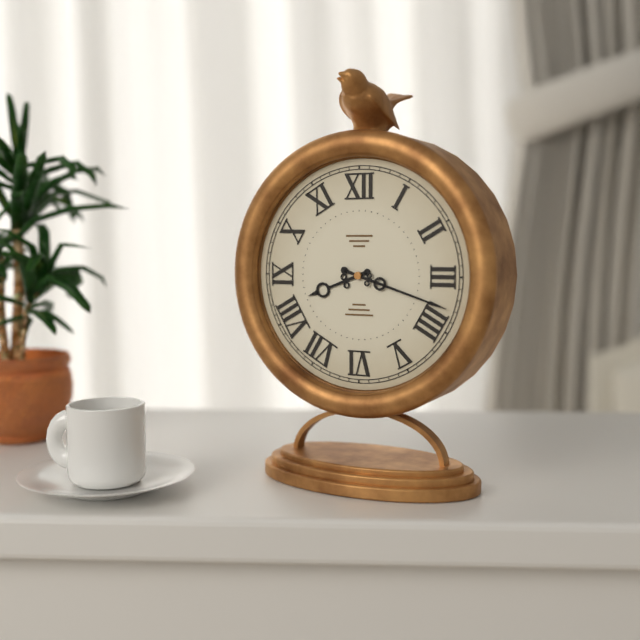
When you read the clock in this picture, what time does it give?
8:18
